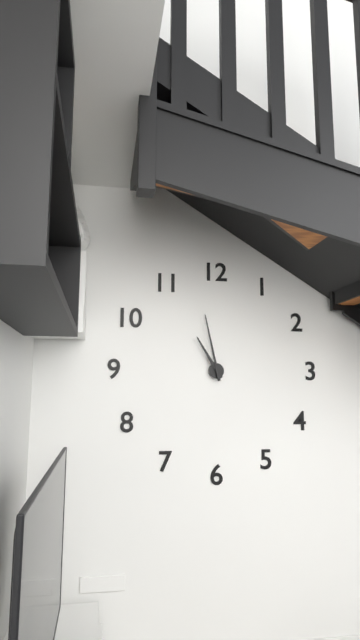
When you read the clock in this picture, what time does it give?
10:58
